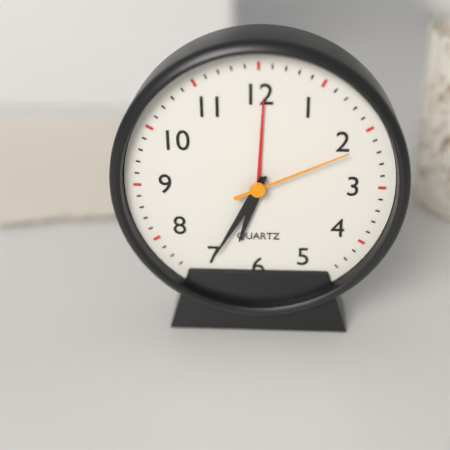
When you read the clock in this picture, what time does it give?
6:35:11
